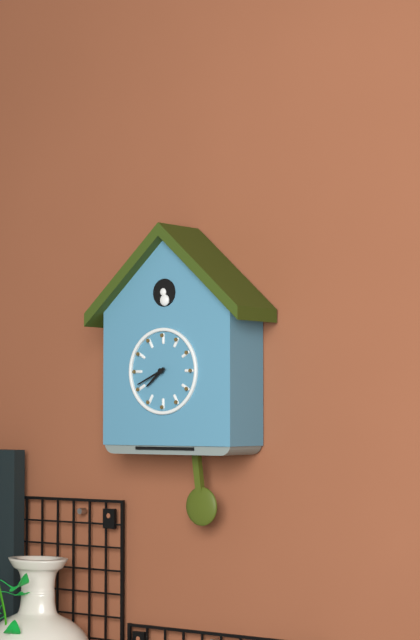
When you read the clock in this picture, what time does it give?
7:41
